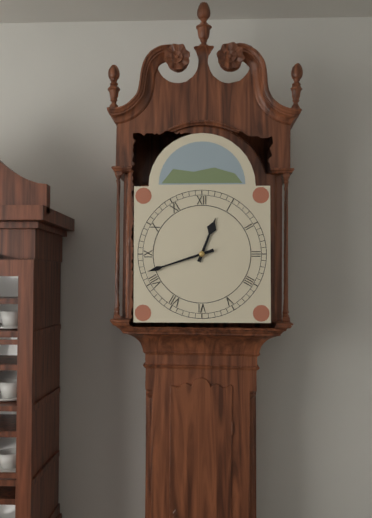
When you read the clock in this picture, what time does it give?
12:42
